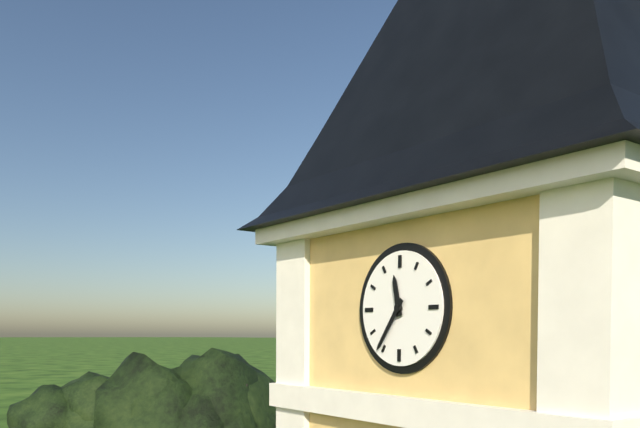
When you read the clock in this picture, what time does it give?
11:36
